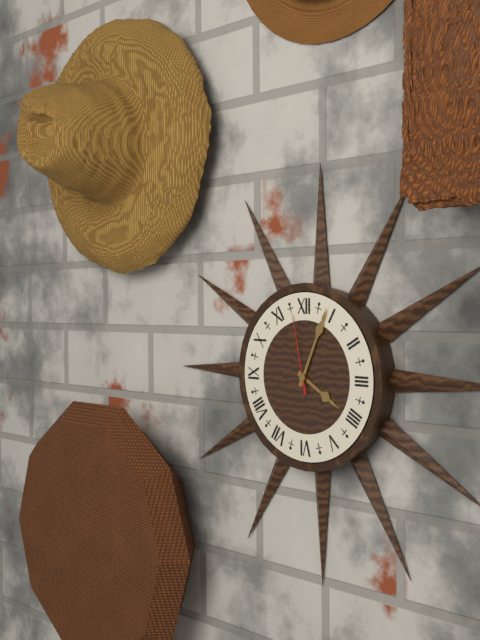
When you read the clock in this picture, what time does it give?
4:04:58
